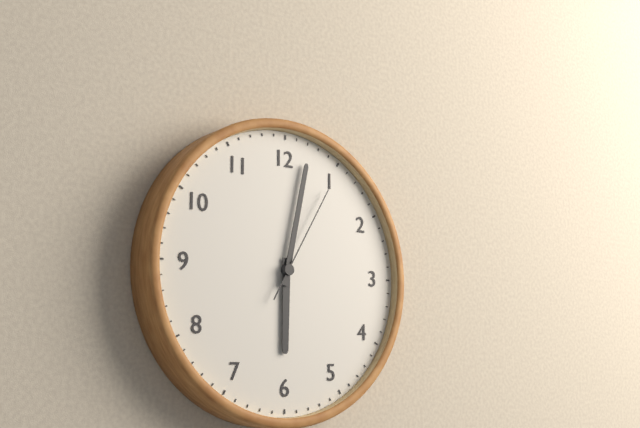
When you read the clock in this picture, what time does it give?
6:02:05
